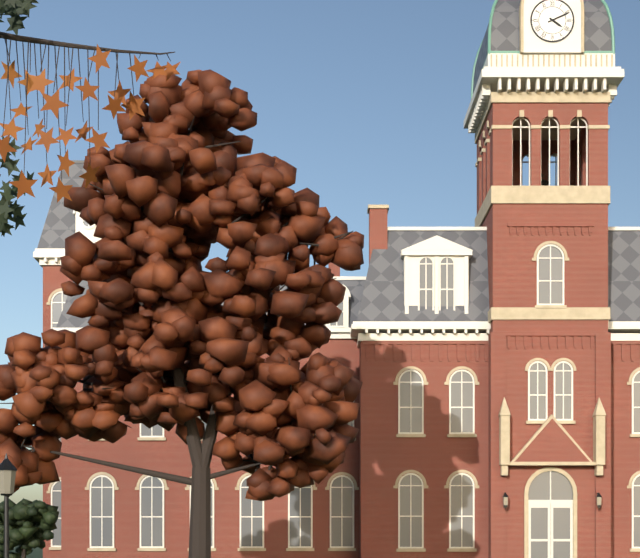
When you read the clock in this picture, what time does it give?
4:11
